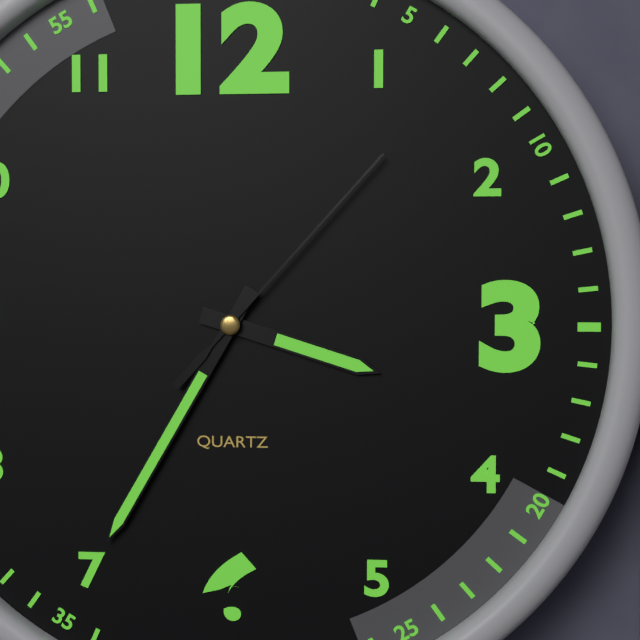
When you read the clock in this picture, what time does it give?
3:35:07
